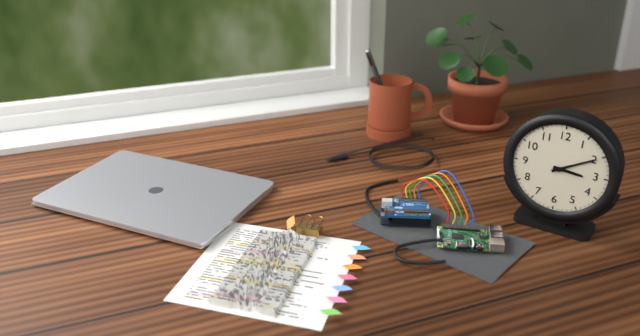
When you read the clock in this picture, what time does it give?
3:10
